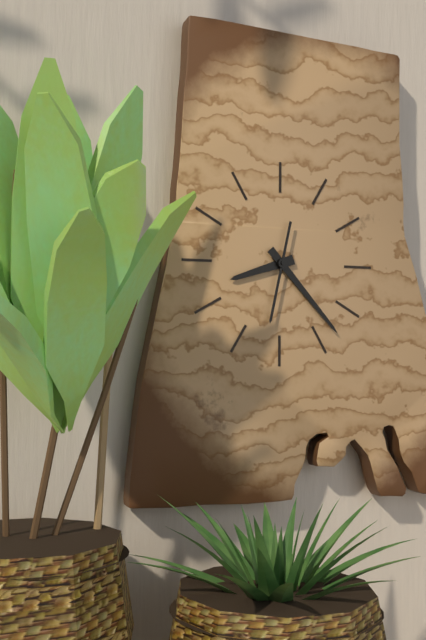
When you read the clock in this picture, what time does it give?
8:23:32
